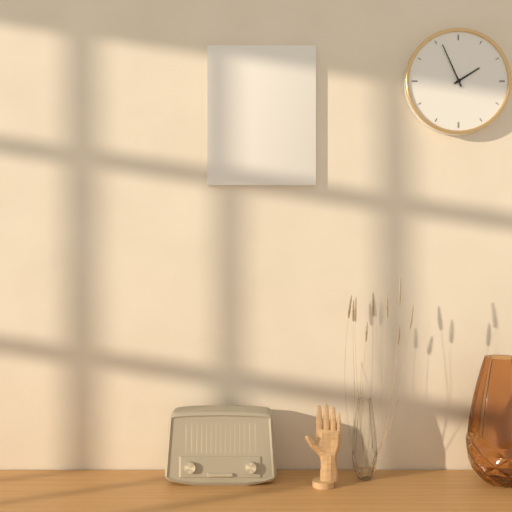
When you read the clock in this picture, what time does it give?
1:56
